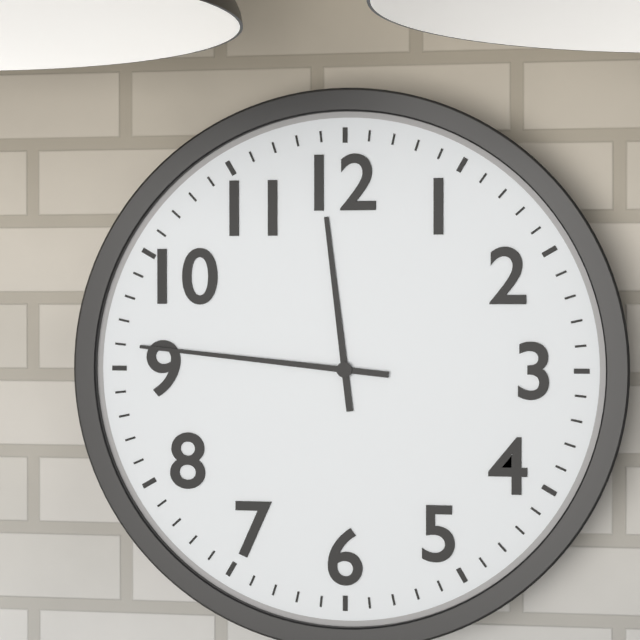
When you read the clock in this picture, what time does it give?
11:46
